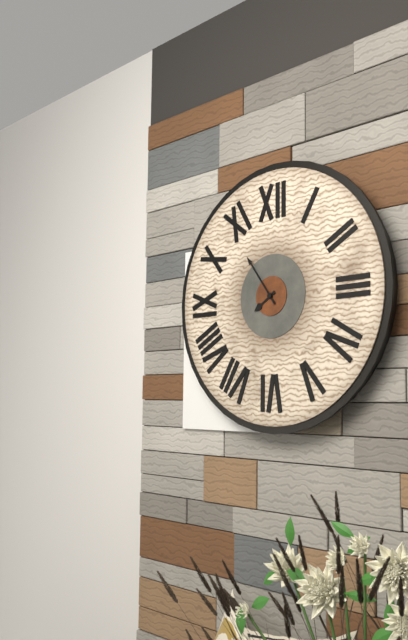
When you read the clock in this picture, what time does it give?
7:54
